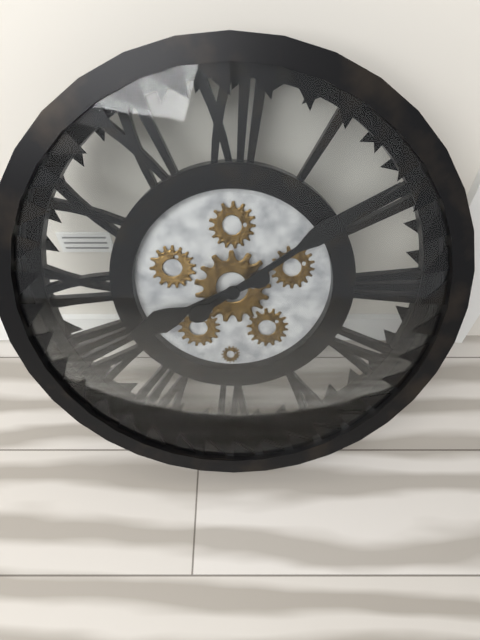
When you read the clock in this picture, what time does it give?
8:09
